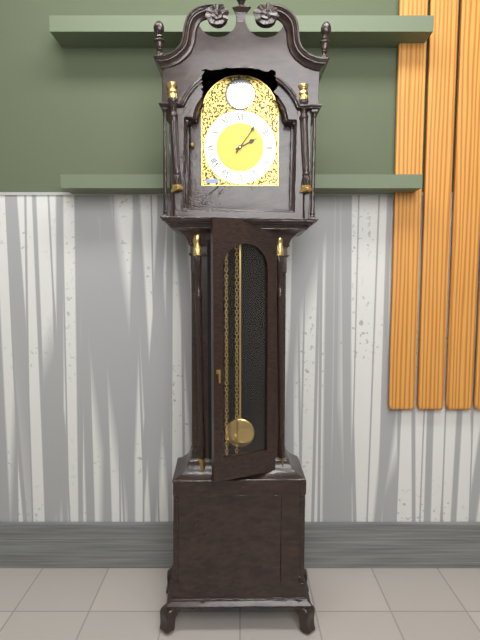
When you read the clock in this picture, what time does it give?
2:06
